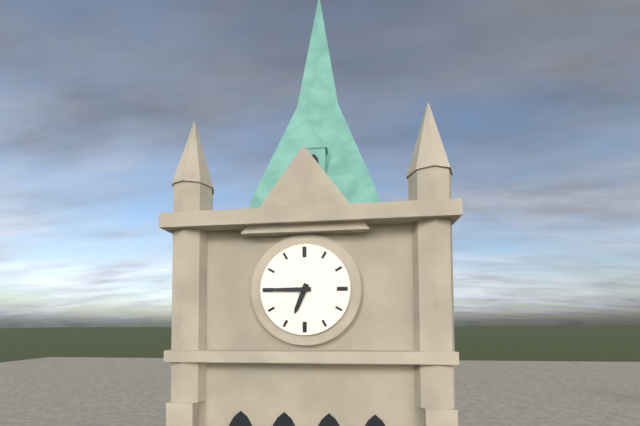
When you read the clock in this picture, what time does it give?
6:45
